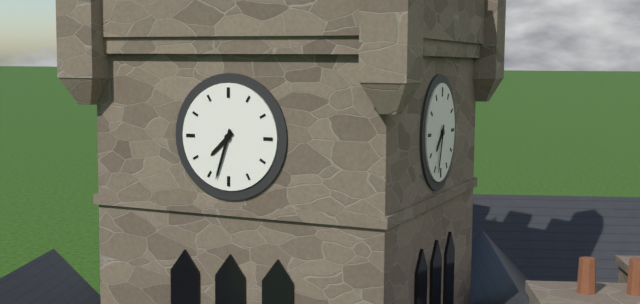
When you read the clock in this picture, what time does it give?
7:33
